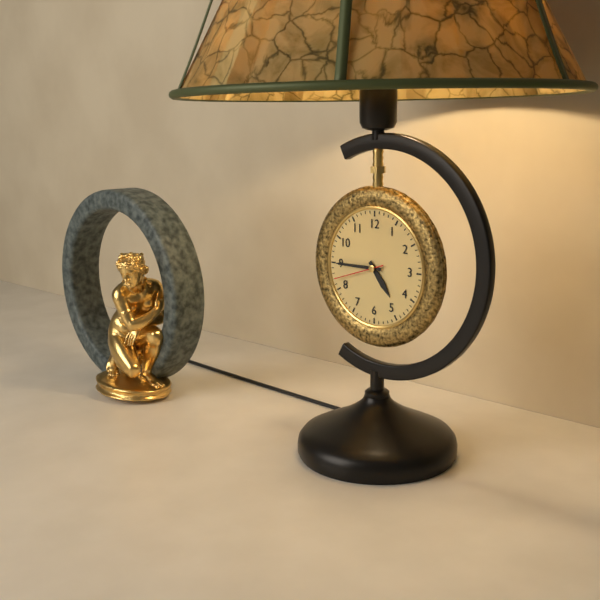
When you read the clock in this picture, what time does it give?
4:45
